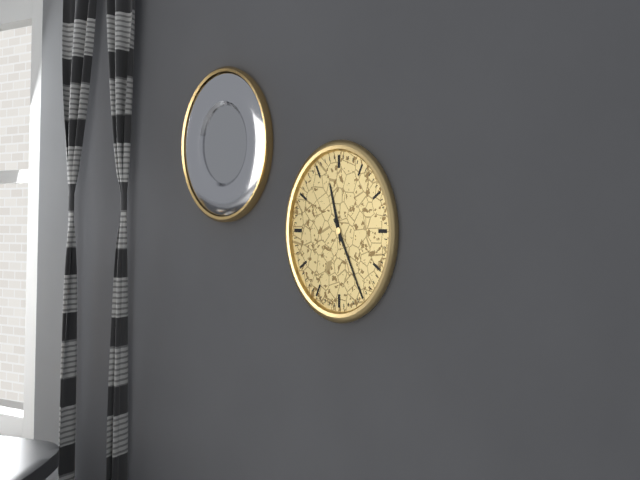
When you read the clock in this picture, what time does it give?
11:25
